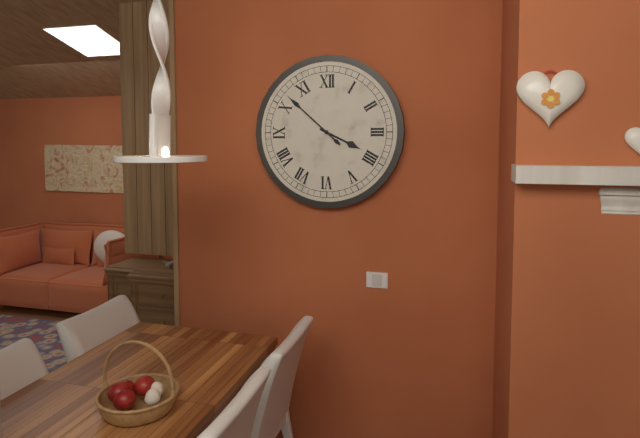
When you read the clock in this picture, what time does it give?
3:52
